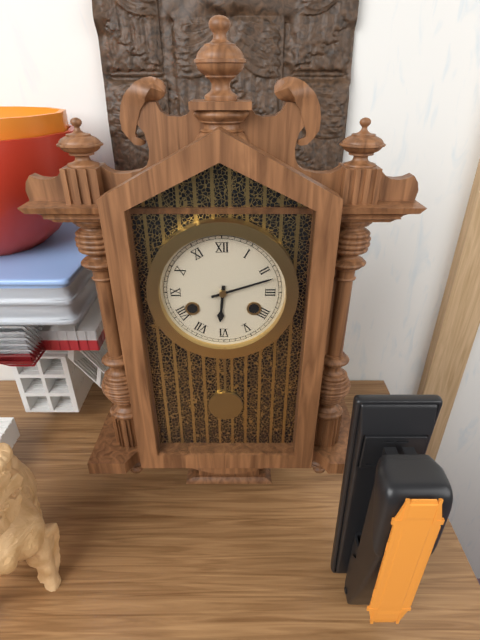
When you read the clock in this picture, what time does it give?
6:12
